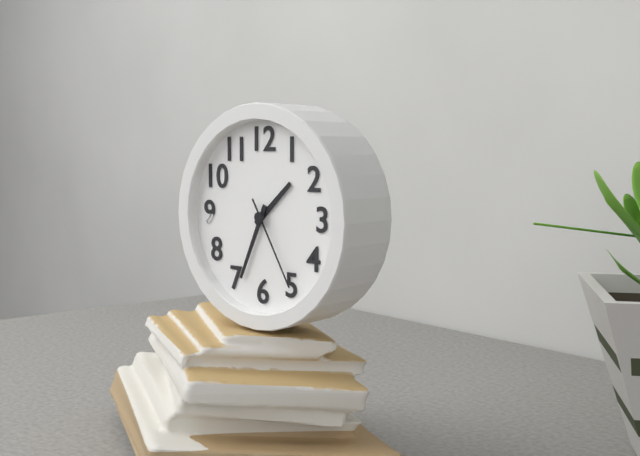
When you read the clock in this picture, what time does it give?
1:34:25
